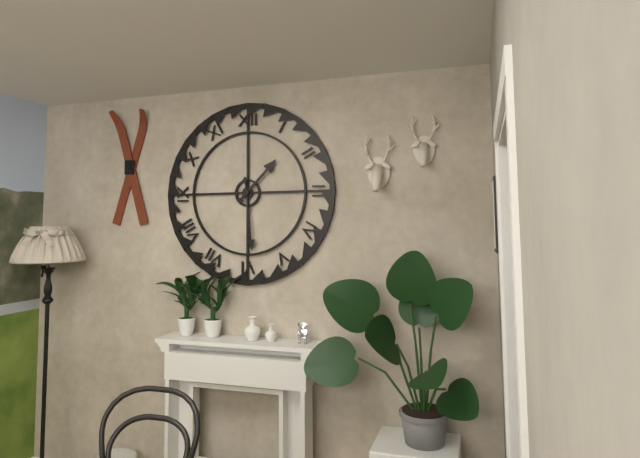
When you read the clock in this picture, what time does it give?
1:29
